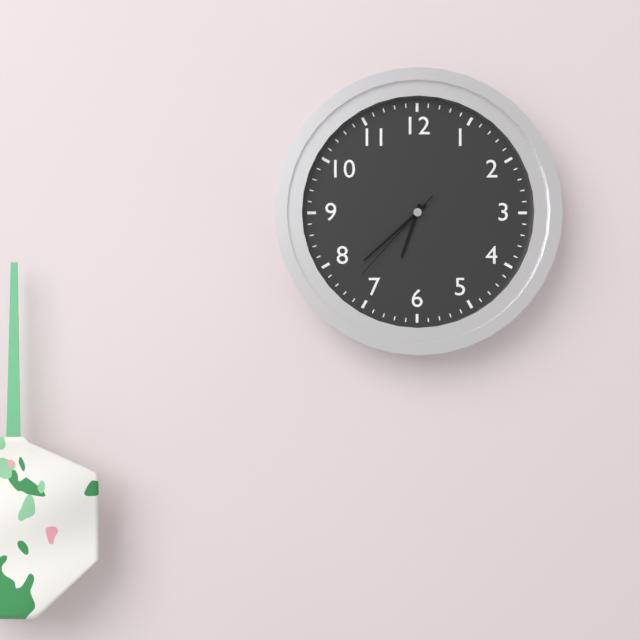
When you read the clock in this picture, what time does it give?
6:38:37
